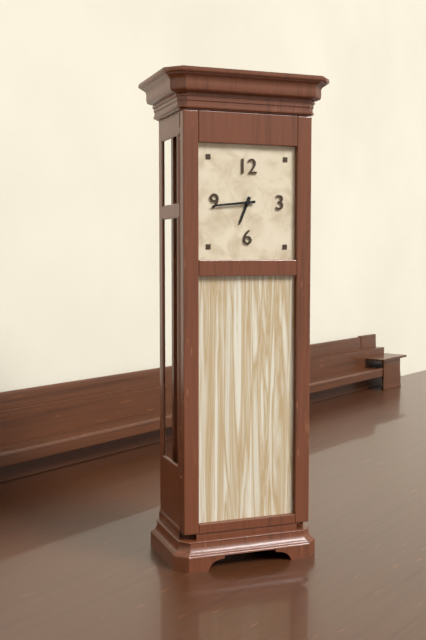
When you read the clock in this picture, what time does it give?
6:44
